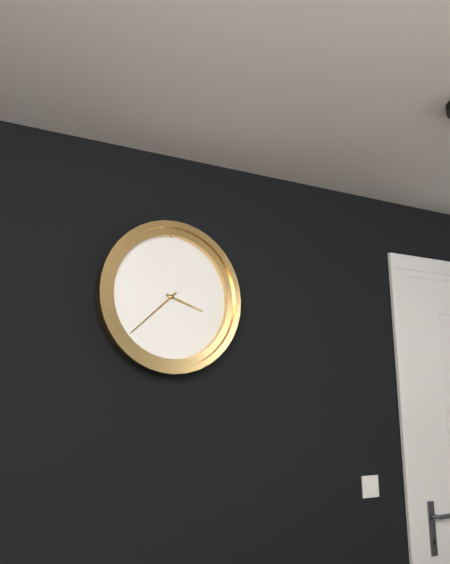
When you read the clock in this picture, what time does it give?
3:38
